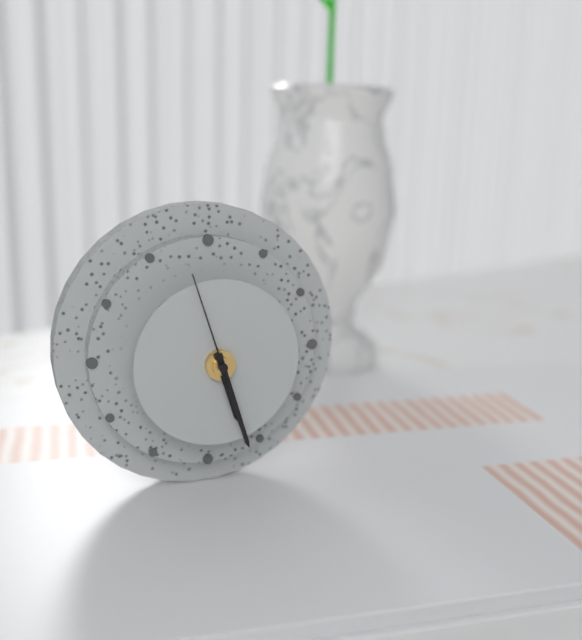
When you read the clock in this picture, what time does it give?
5:27:57
